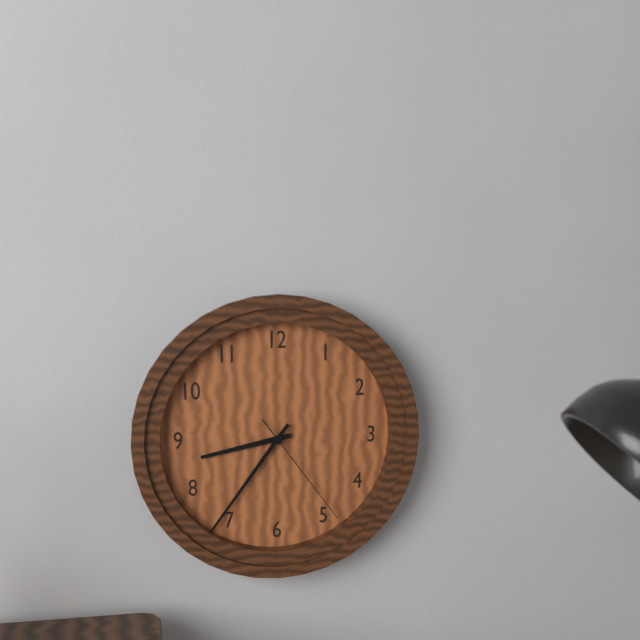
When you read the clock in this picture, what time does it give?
8:36:24
